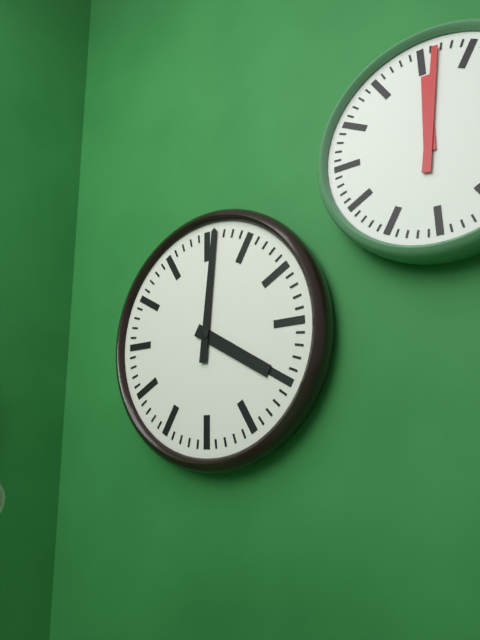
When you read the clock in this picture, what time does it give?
4:01
